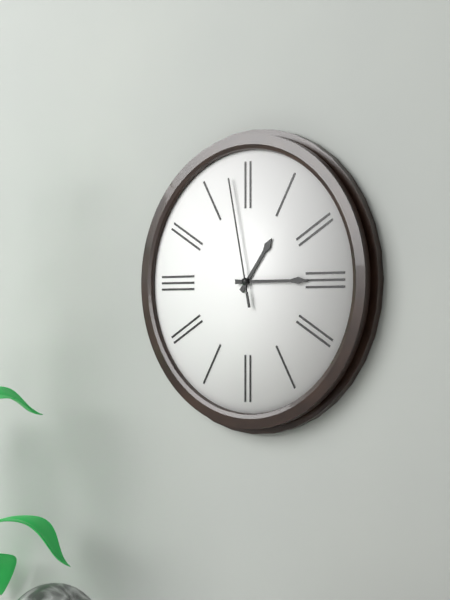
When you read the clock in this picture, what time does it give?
1:15:58
